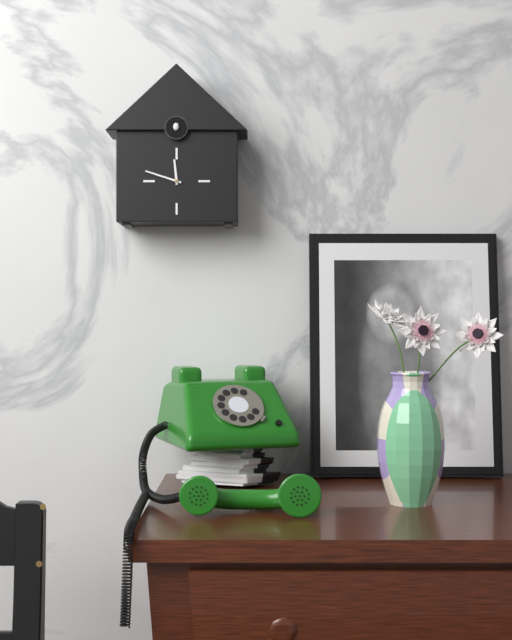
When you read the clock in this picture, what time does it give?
11:48
